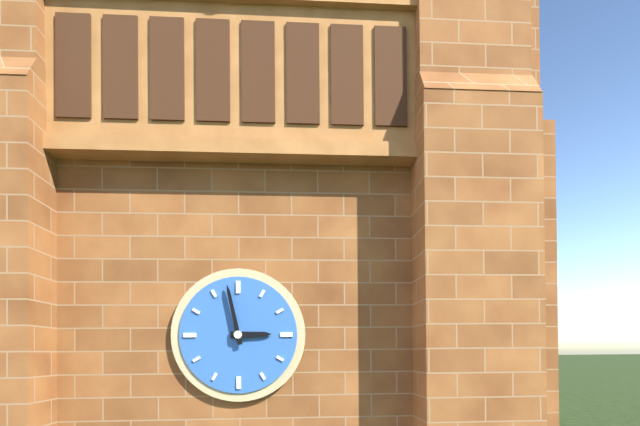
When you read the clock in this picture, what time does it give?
2:58
